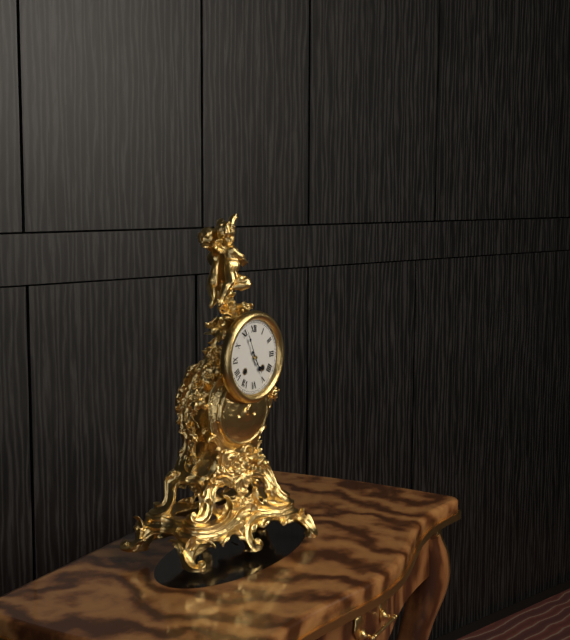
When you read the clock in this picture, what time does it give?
4:56
